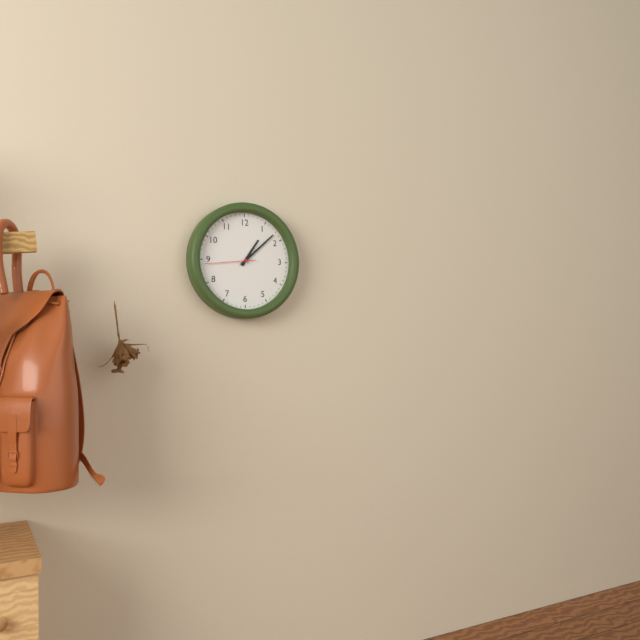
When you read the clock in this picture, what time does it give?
1:08:44
